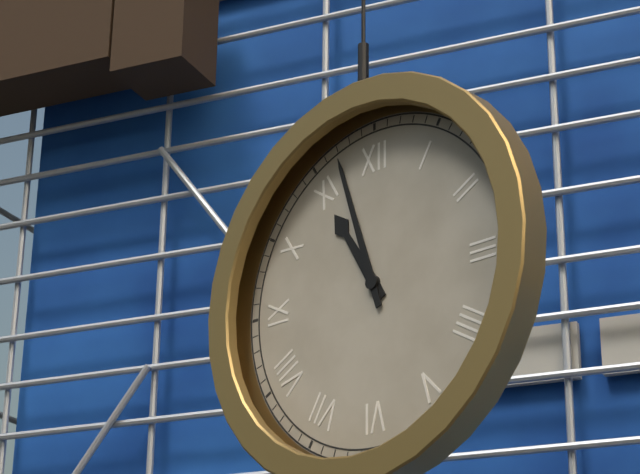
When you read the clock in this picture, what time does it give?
10:57
